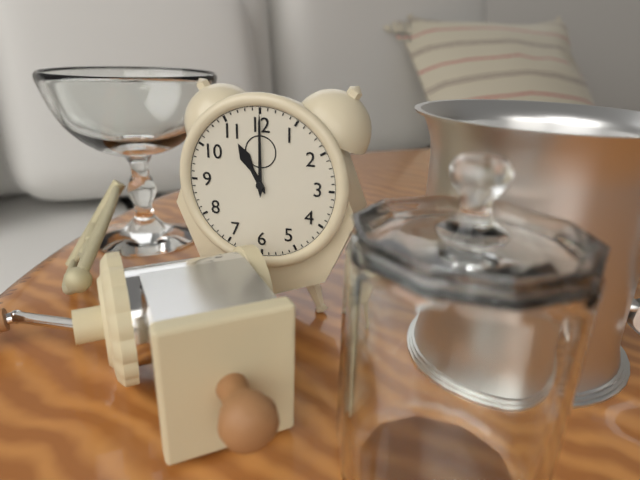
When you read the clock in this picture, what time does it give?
11:00
